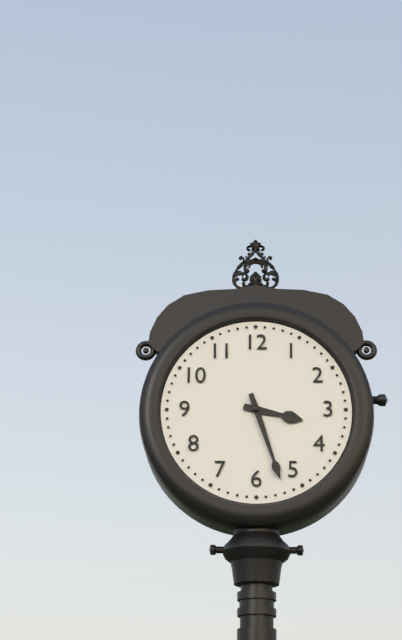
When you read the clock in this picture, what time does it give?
3:27
